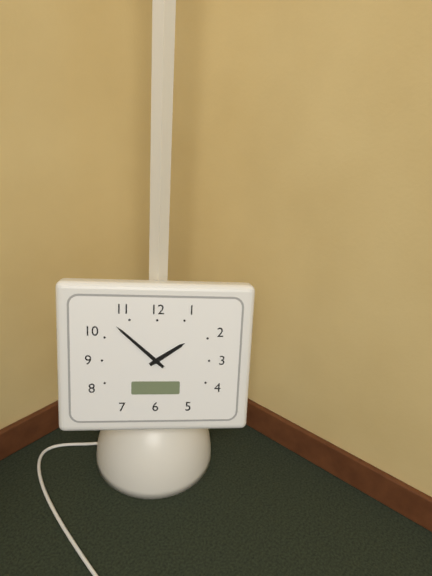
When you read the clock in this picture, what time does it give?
1:52
